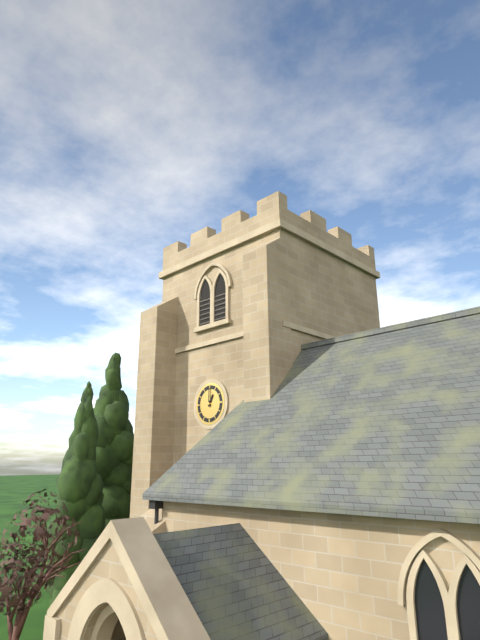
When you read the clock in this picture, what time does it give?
1:00
